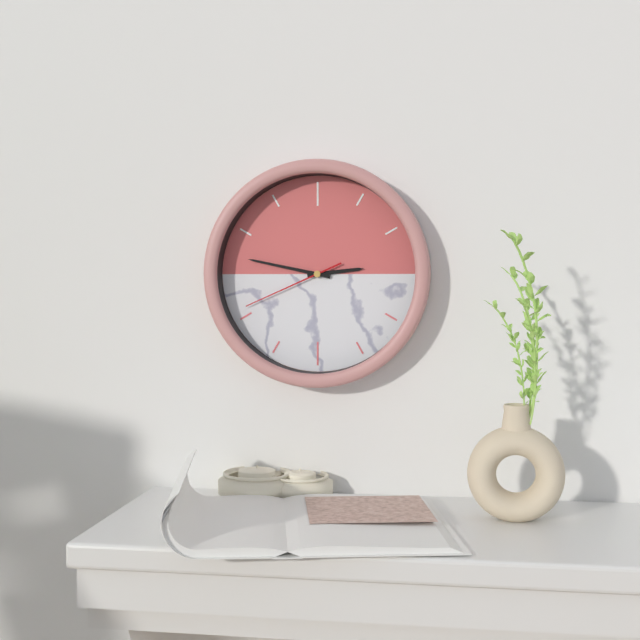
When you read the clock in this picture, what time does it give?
2:47:41
